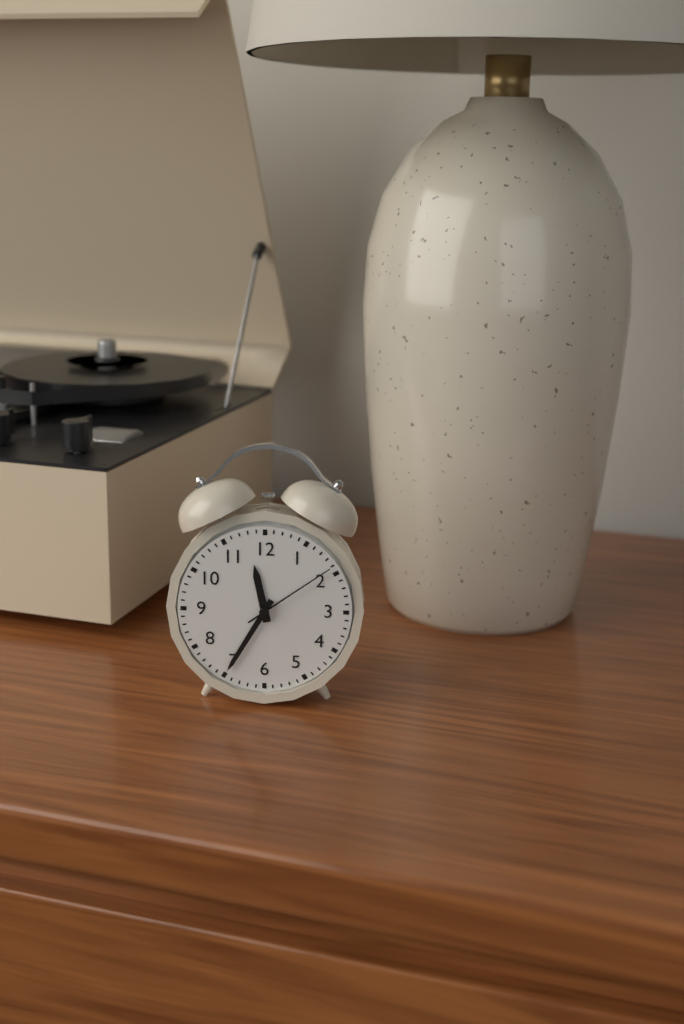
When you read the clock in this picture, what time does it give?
11:35:09
